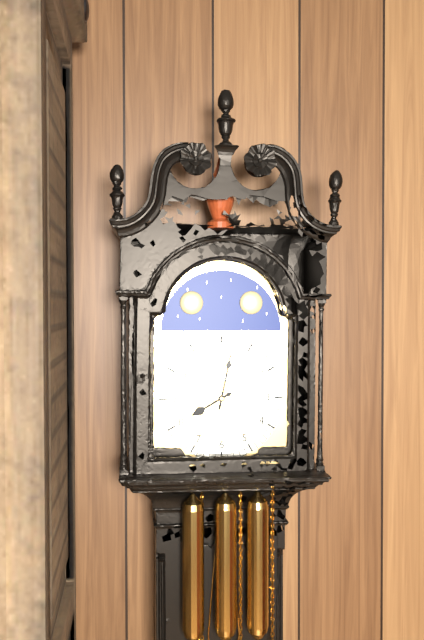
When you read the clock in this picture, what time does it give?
8:02
